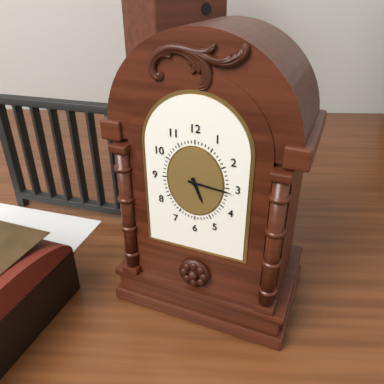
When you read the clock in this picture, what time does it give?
5:16
